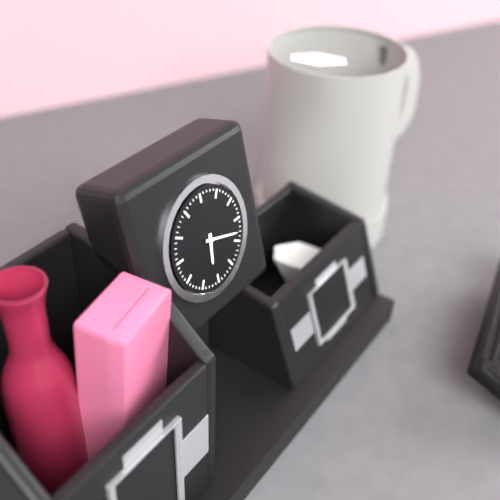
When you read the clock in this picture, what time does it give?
6:18
